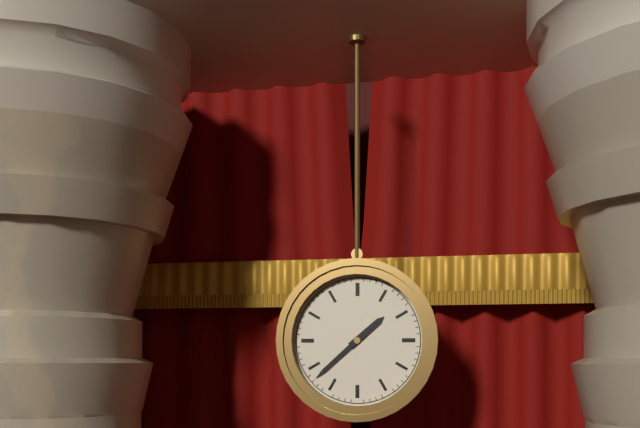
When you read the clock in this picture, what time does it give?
1:38
